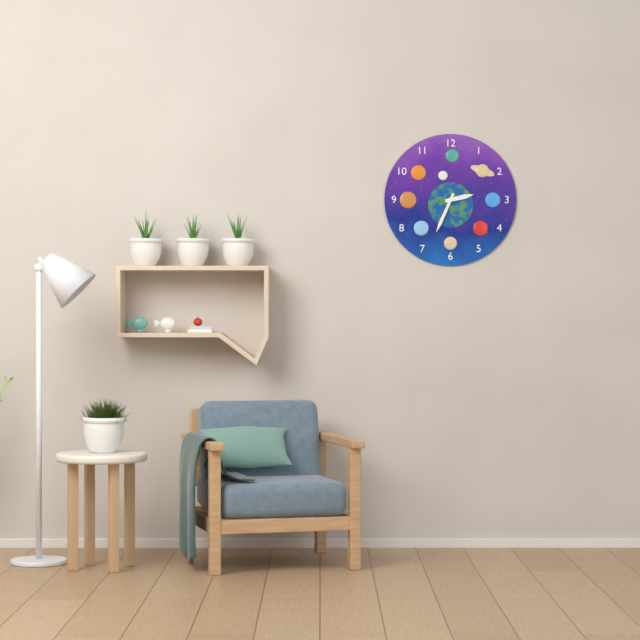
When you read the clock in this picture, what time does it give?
2:34
